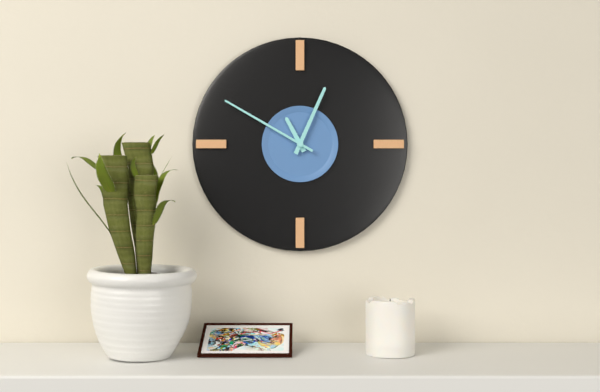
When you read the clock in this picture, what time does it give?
11:04:50
